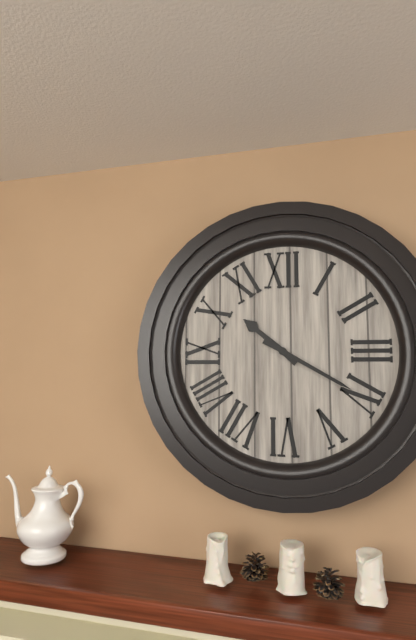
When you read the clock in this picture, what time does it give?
10:20
